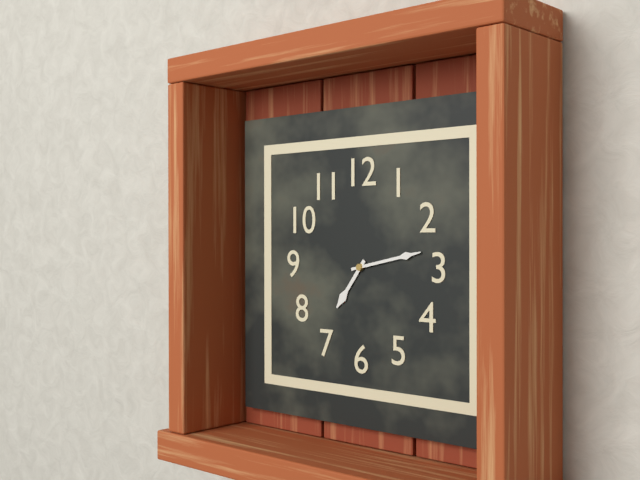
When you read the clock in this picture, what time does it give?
7:13
